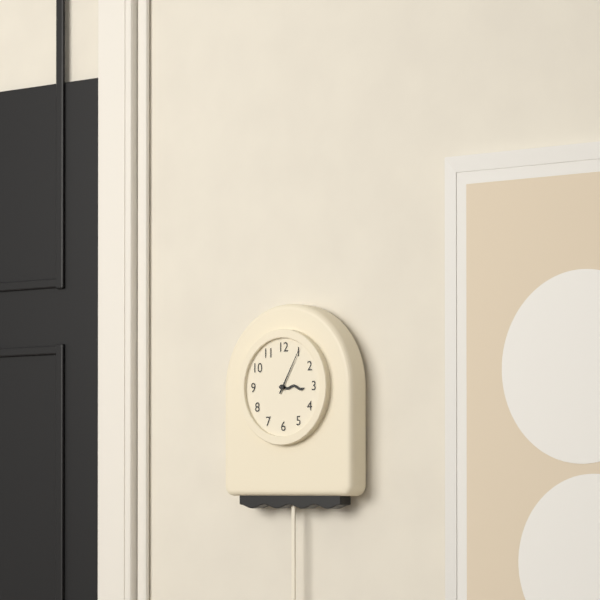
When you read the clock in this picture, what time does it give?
3:05
